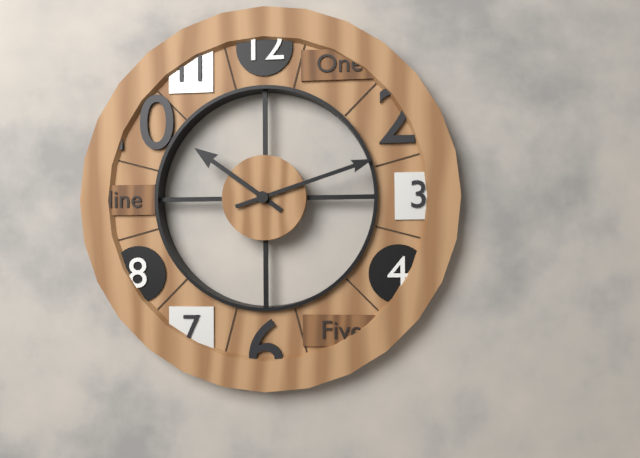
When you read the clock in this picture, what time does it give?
10:12
